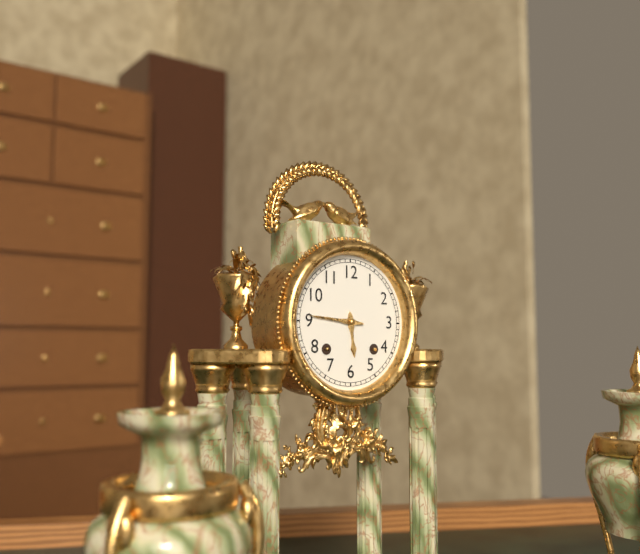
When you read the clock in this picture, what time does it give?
5:46
